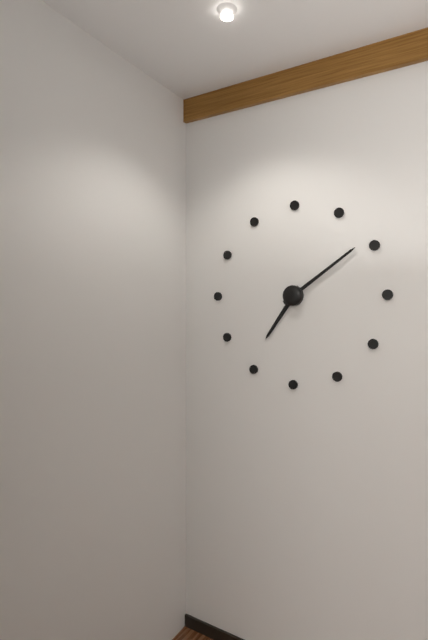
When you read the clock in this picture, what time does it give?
7:09
